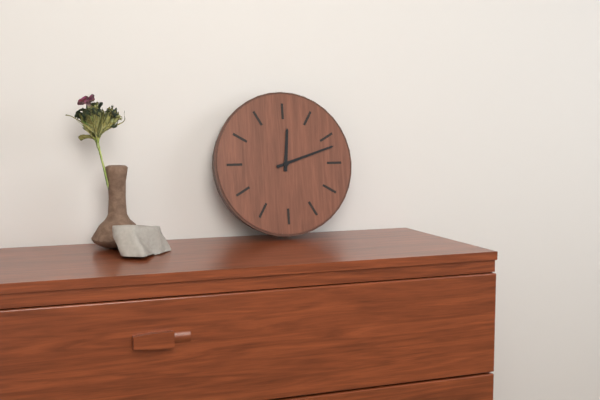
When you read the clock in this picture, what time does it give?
12:12
